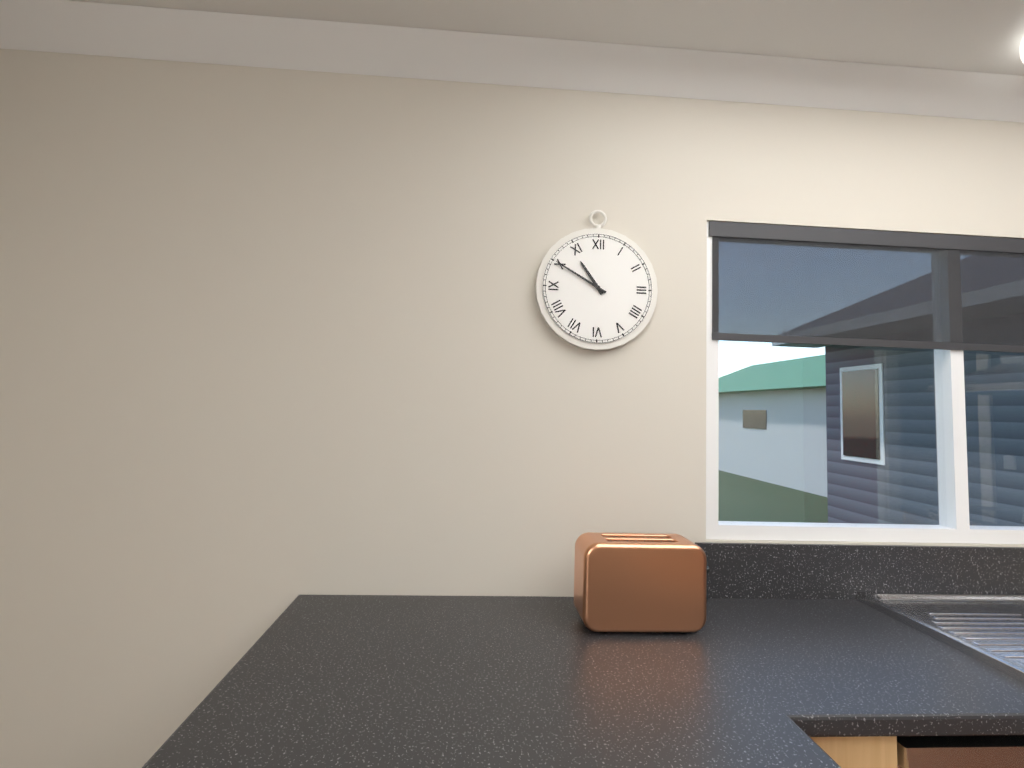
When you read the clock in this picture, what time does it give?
10:50
